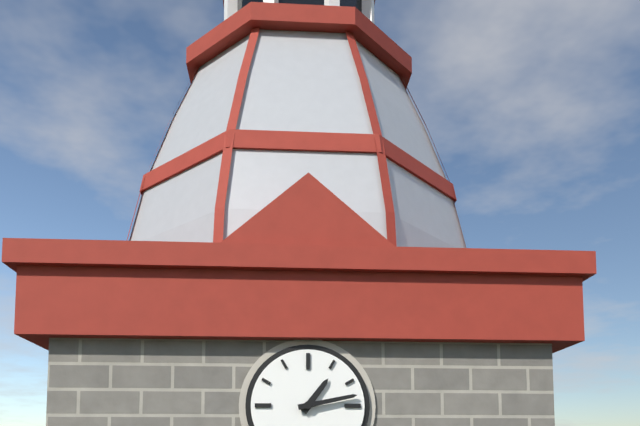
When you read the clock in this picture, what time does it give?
1:13
